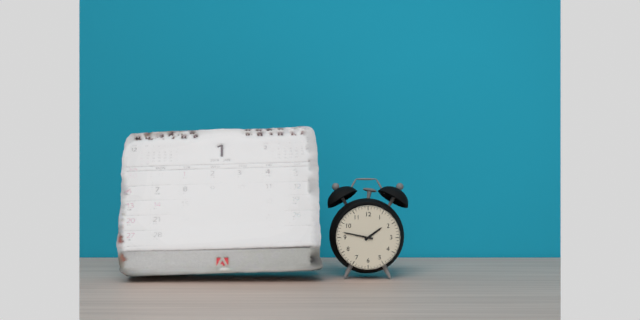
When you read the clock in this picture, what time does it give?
1:47
